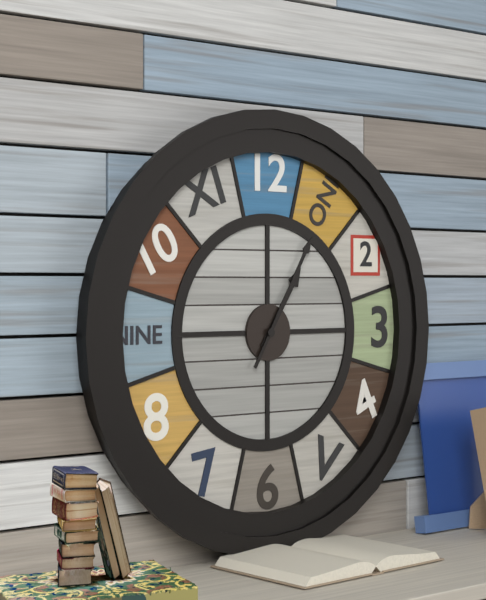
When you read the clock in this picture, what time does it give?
1:05
